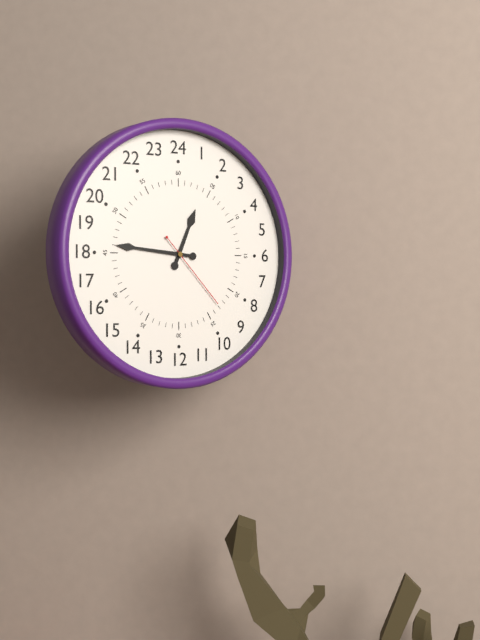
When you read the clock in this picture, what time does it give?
12:46:23
